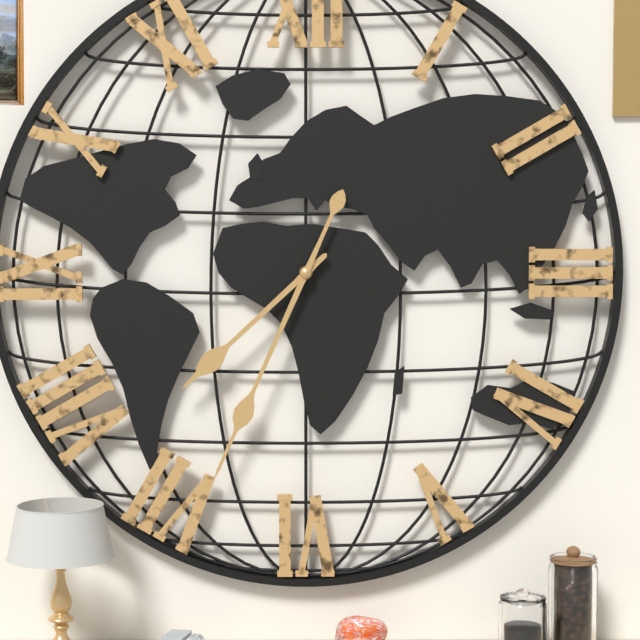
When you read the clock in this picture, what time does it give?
7:34
